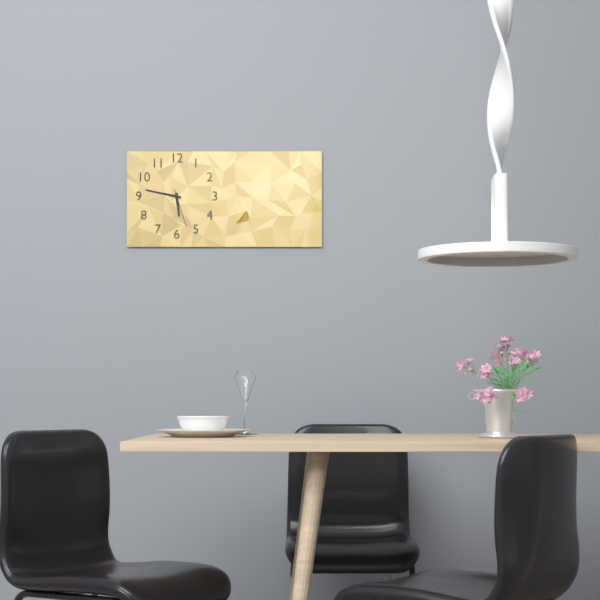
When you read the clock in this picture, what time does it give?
5:47
